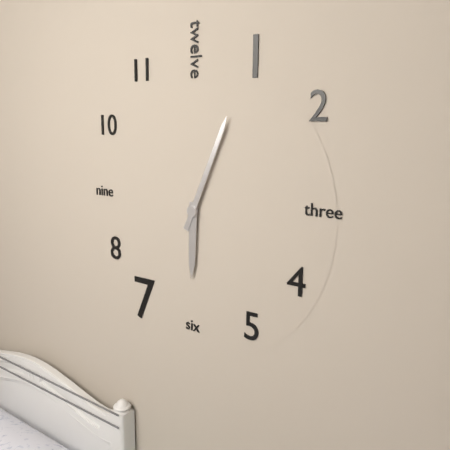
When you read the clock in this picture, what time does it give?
6:04
